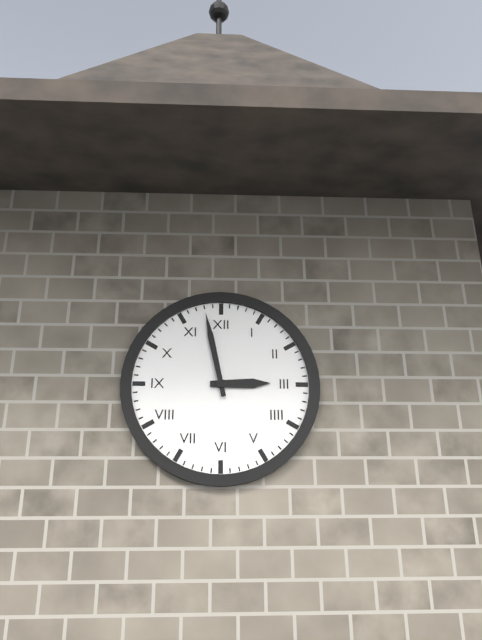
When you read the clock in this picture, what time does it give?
2:58
